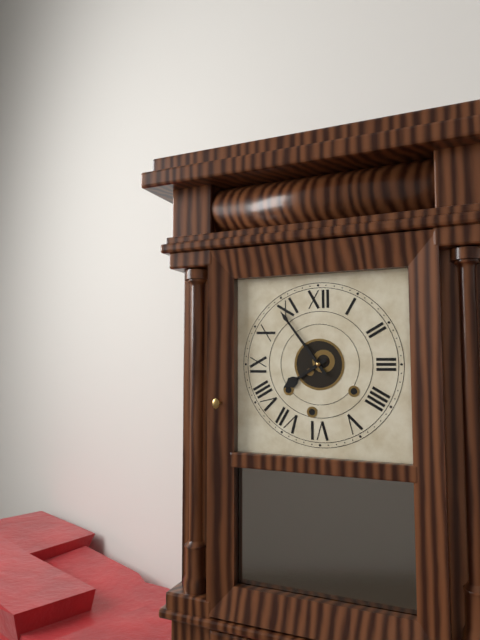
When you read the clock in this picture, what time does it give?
7:54
